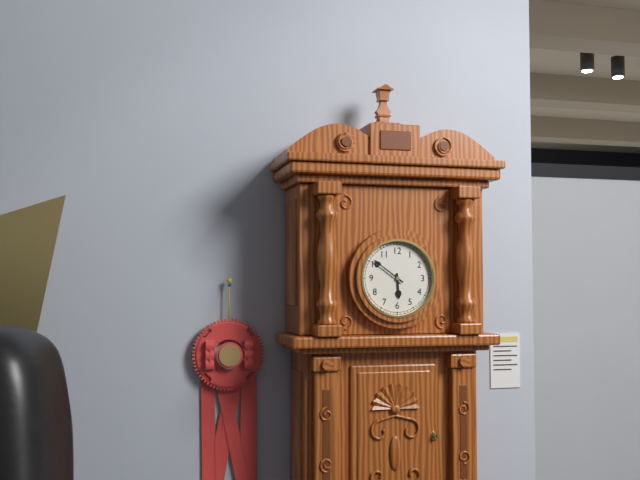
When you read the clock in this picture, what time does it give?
5:51
